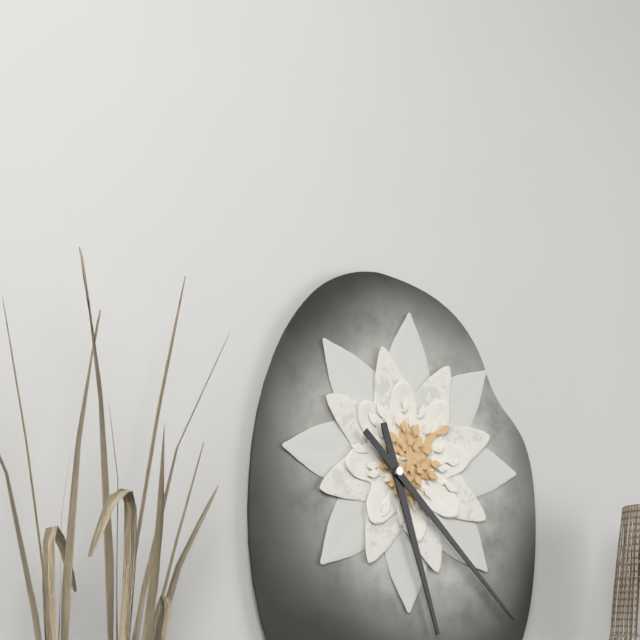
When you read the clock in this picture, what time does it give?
5:22
